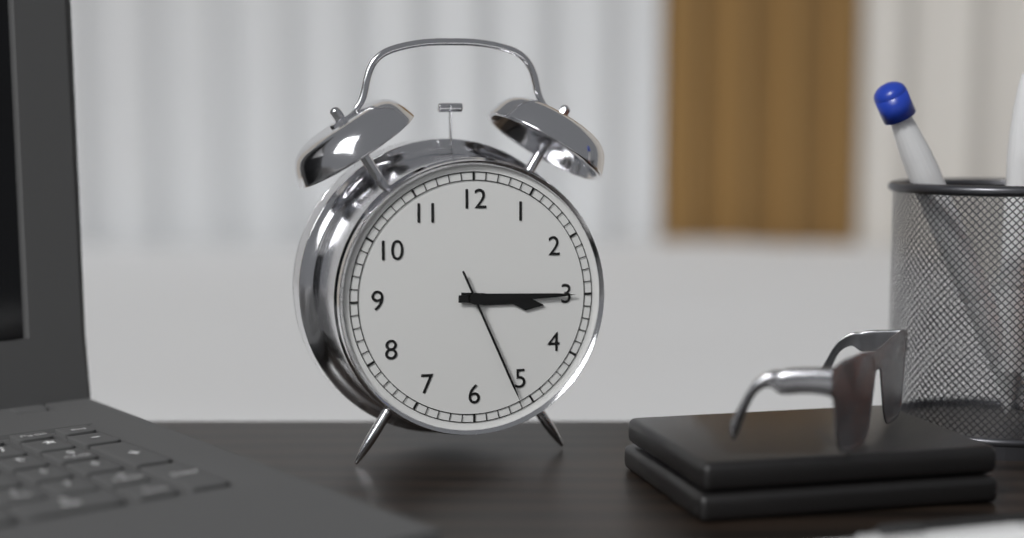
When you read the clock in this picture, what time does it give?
3:15:26
